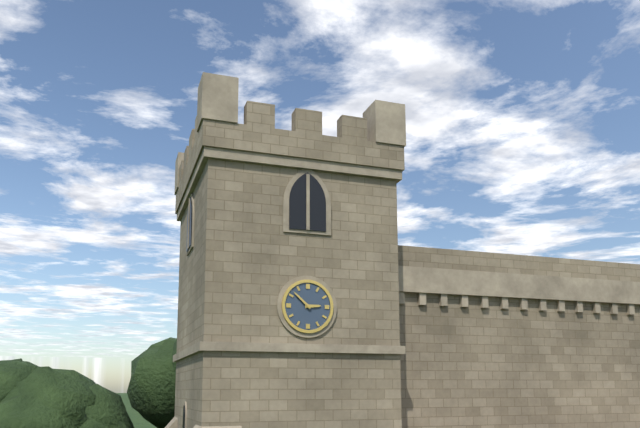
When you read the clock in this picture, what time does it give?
2:52
